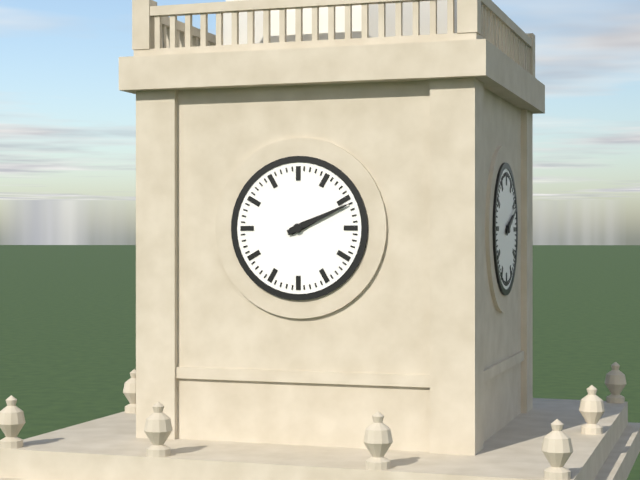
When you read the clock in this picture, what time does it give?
2:11
